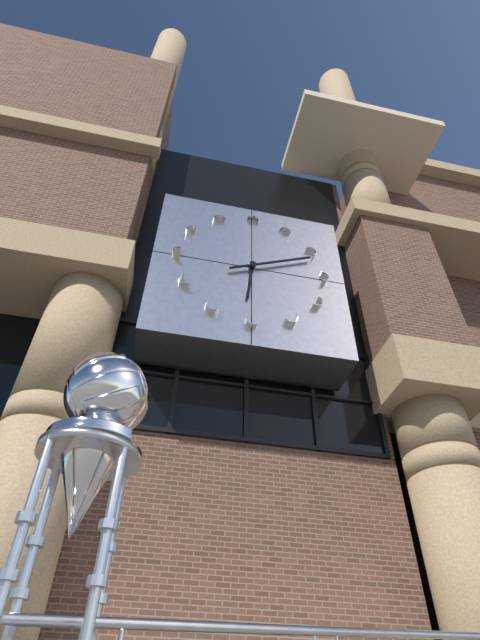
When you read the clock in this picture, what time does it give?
6:11
